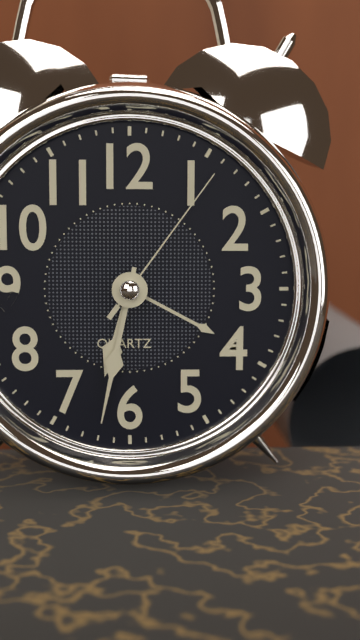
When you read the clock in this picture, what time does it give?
6:32:06
